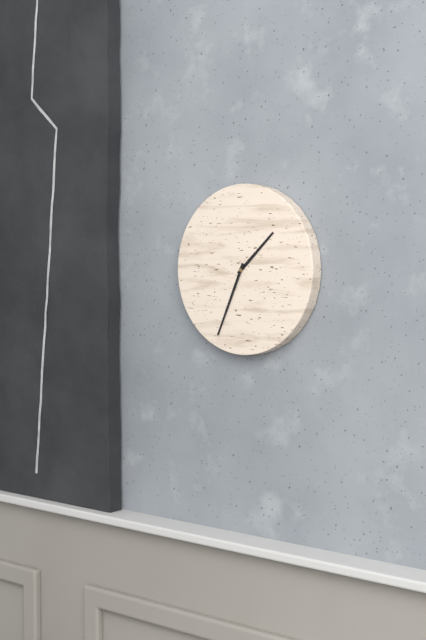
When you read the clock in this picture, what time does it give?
1:34
